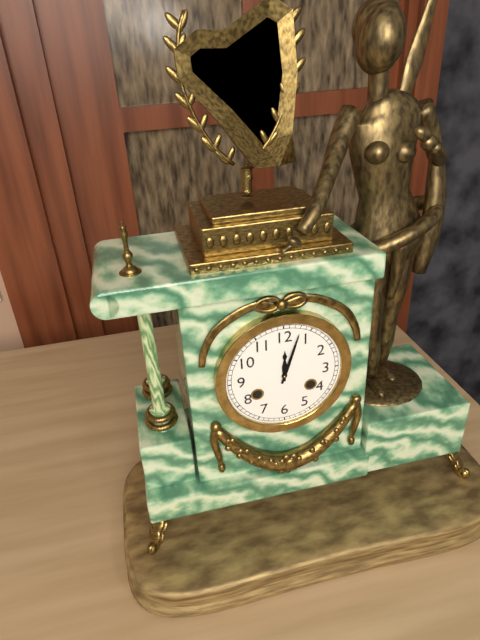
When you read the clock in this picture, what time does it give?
12:03
